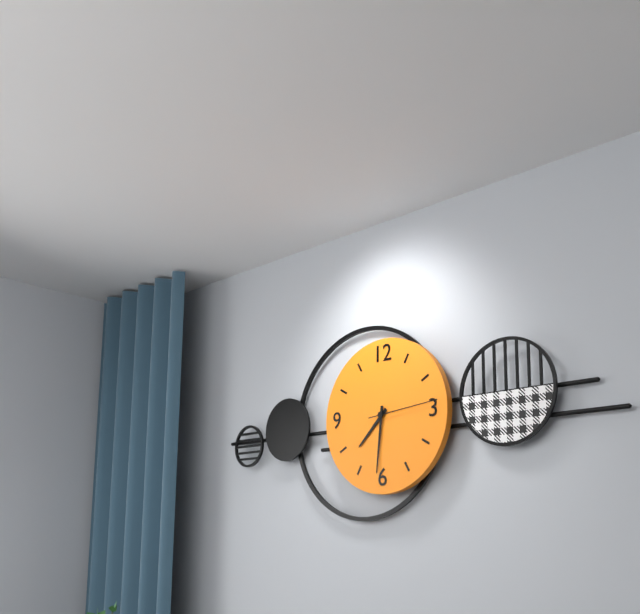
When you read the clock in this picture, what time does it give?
7:31:14
